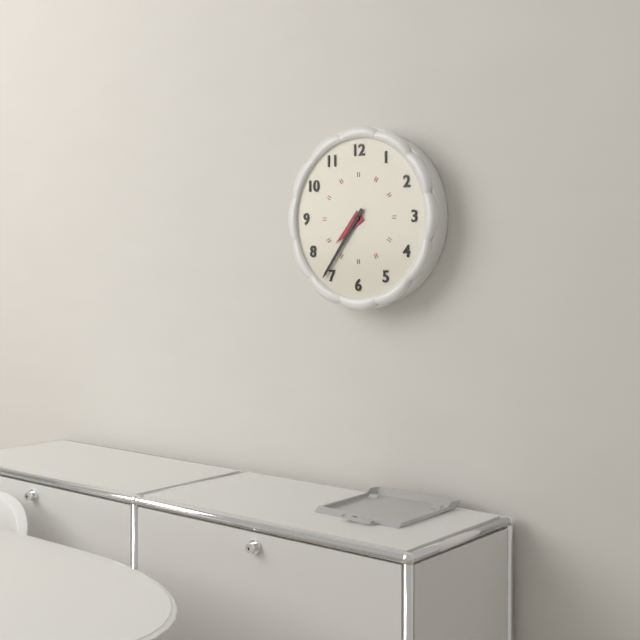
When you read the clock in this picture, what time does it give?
7:36
